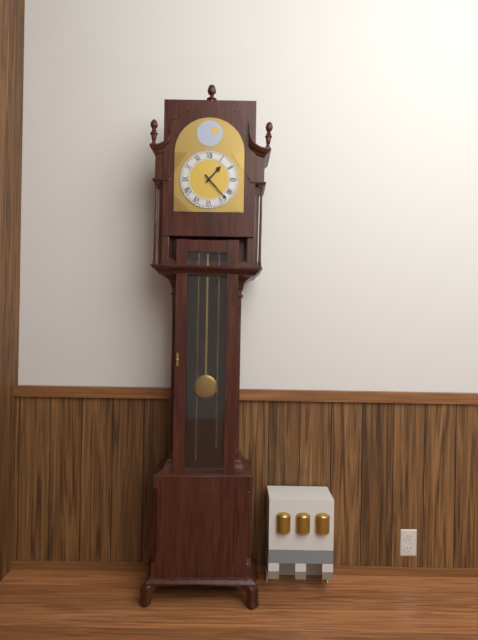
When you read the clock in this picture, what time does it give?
1:23
